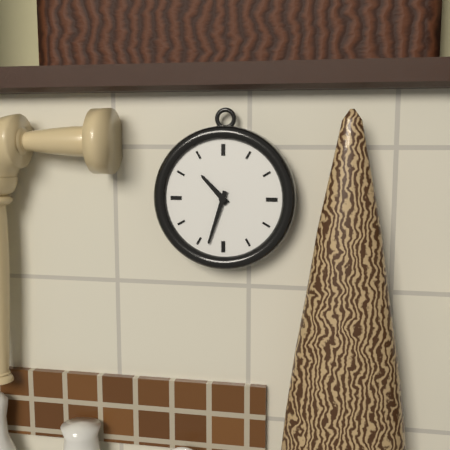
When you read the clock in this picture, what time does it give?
10:33
